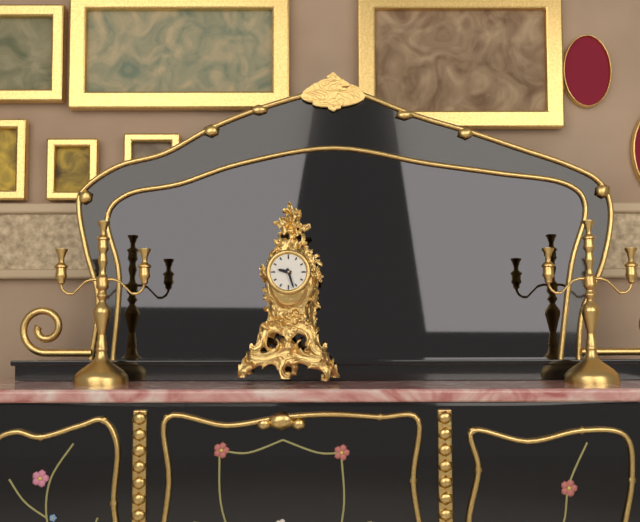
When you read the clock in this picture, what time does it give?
9:27
